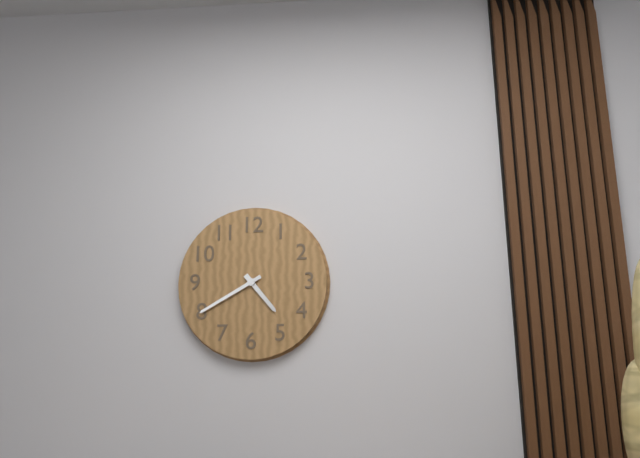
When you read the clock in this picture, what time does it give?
4:40
